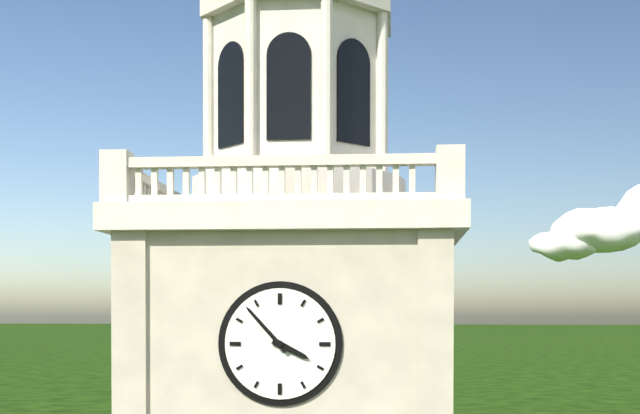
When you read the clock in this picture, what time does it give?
3:53
